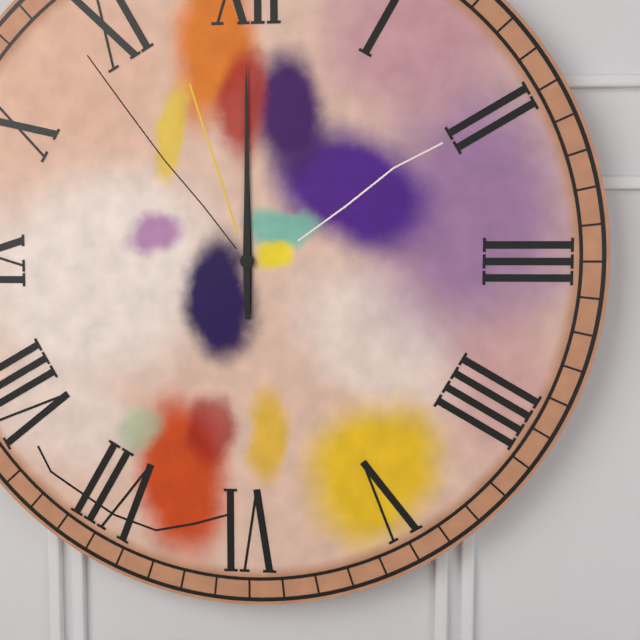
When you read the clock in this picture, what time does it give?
12:00
